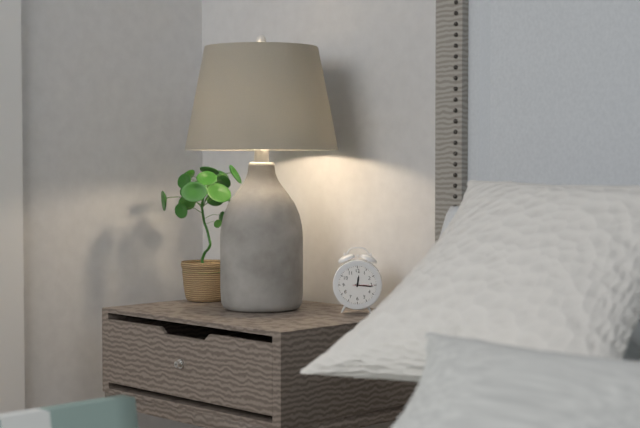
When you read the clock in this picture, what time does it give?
12:16
